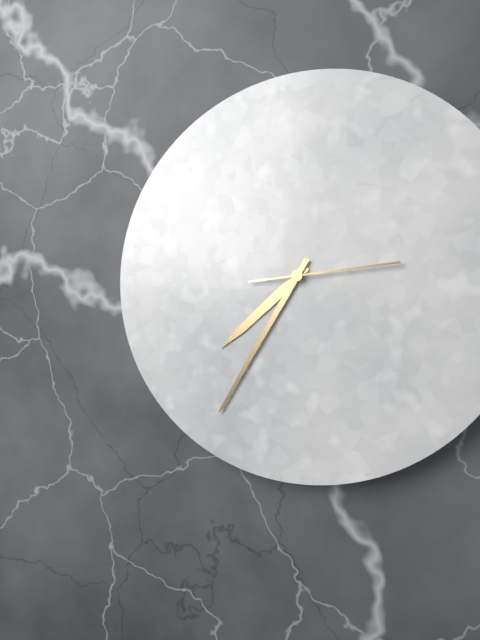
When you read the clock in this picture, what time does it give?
7:35:14
